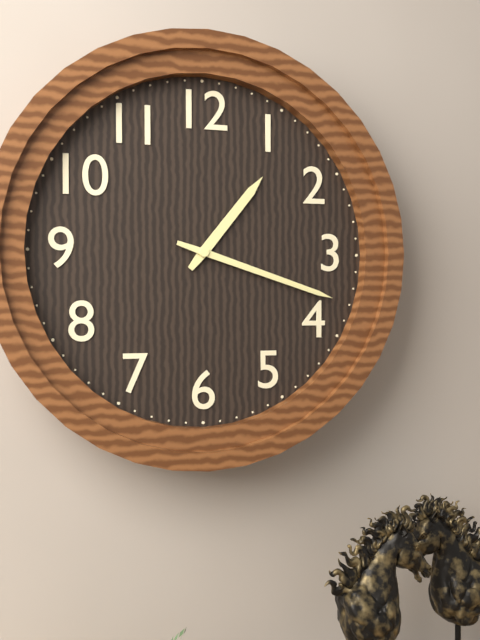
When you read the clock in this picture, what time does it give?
1:18
